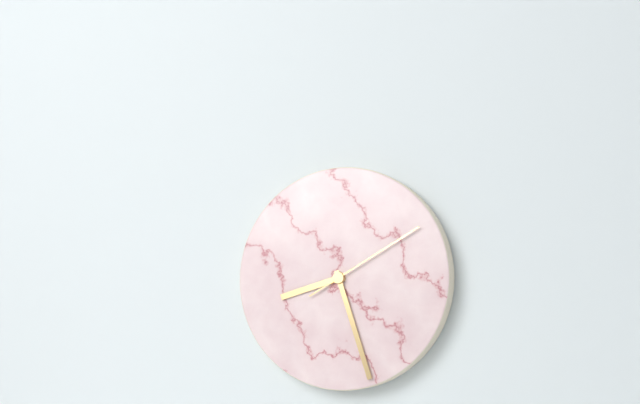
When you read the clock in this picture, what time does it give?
8:27:10
